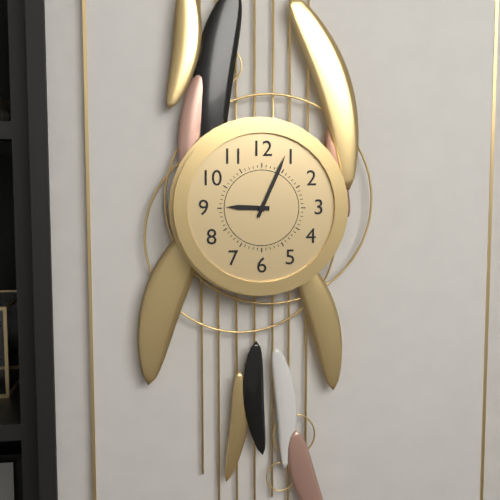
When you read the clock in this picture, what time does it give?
9:04
